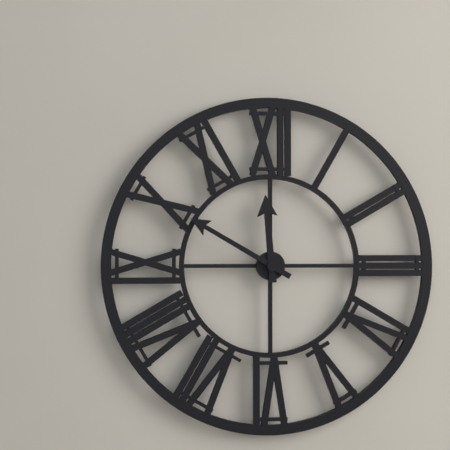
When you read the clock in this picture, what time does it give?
11:50
